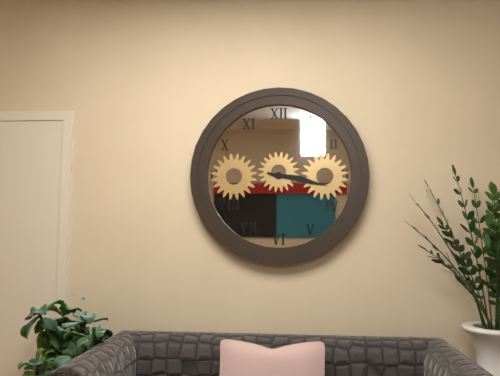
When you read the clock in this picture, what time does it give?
3:17
